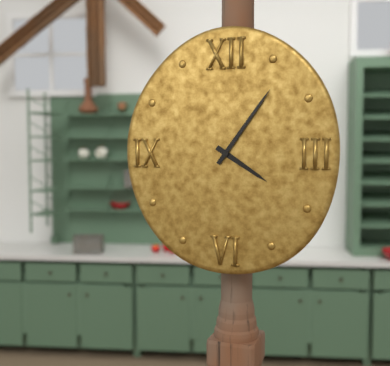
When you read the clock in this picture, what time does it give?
4:06
